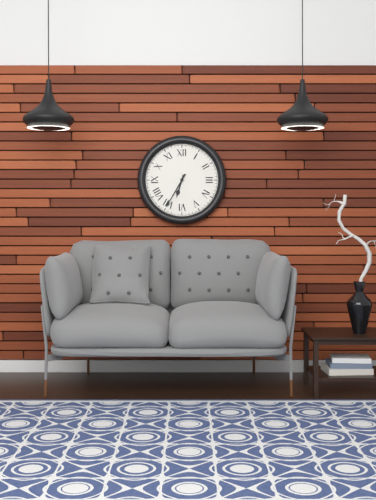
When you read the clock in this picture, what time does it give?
6:35
